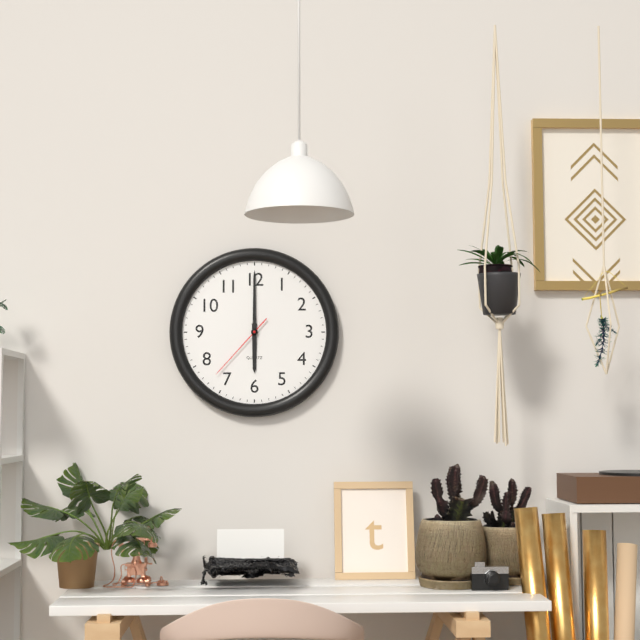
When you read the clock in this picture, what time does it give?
6:00:37
